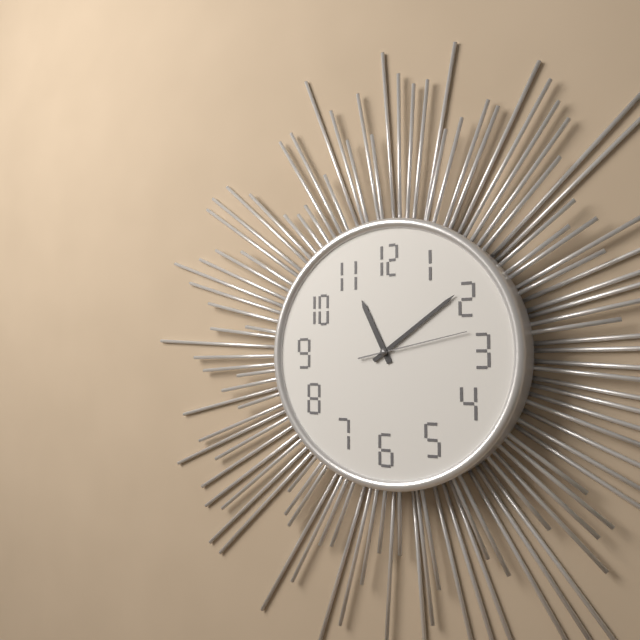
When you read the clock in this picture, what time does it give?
11:09:13
